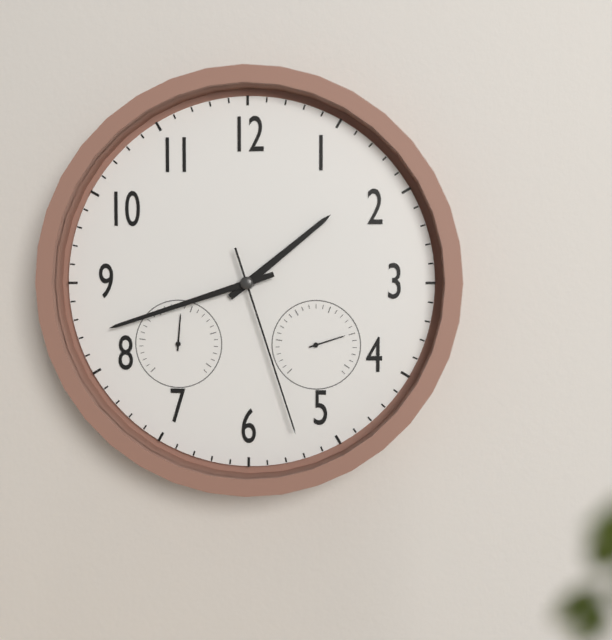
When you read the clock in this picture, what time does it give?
1:42:27
